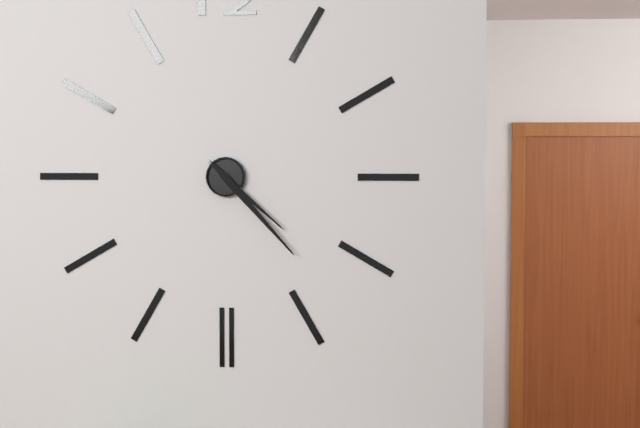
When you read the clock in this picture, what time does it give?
4:23
